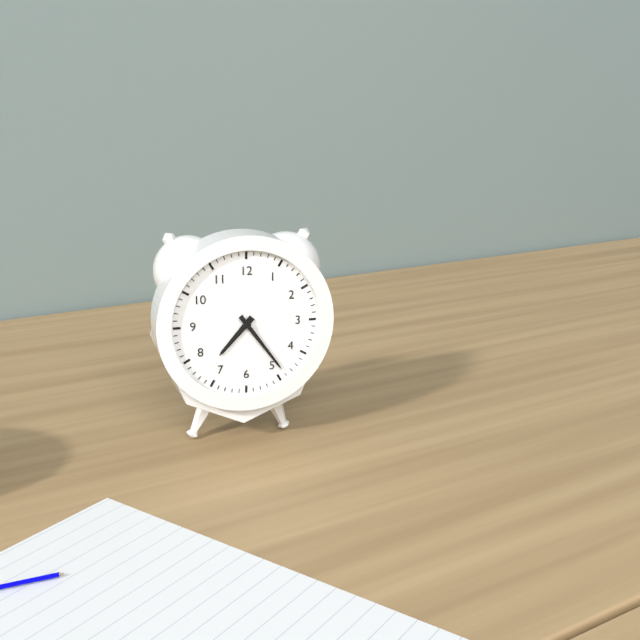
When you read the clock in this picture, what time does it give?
7:24
